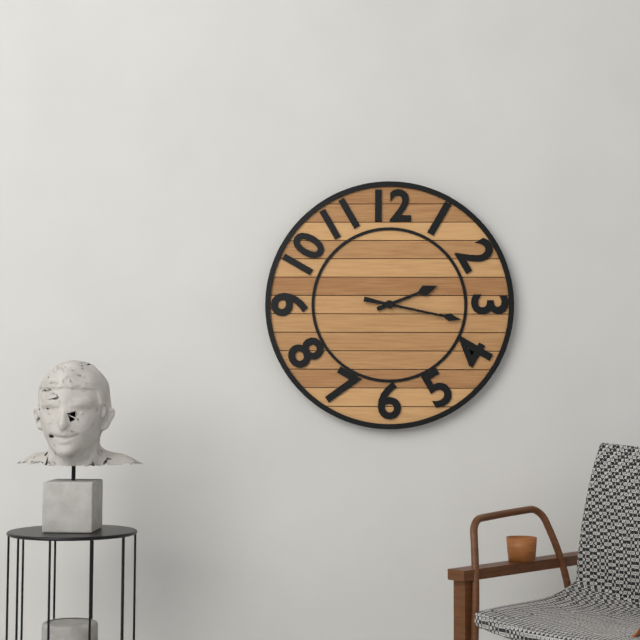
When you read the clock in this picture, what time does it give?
2:17
